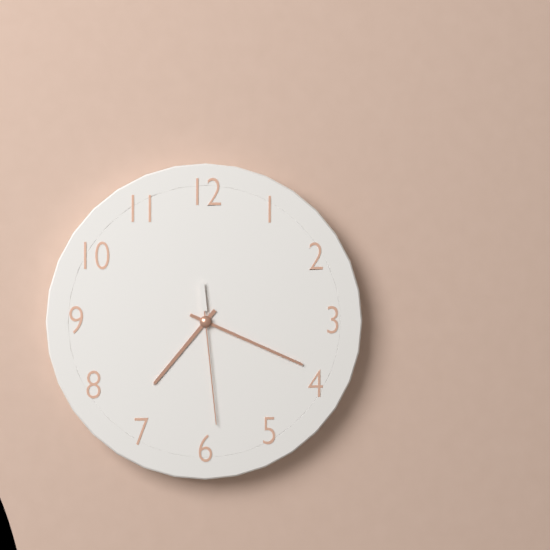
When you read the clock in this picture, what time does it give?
7:19:29
